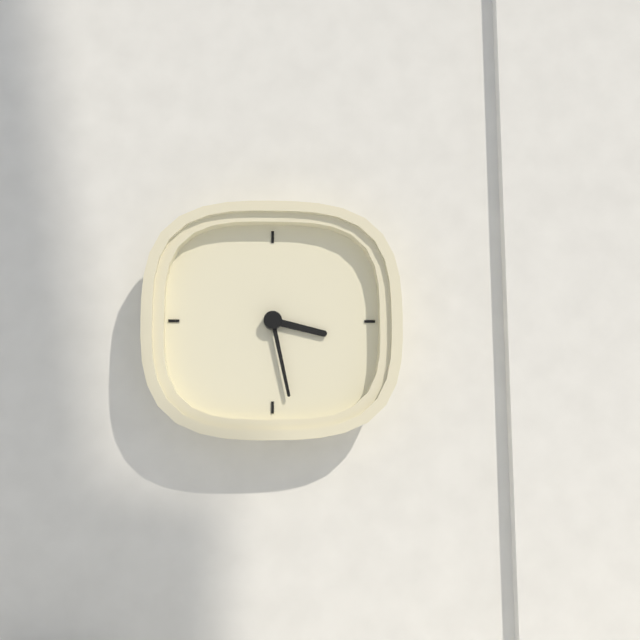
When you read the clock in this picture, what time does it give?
3:28
